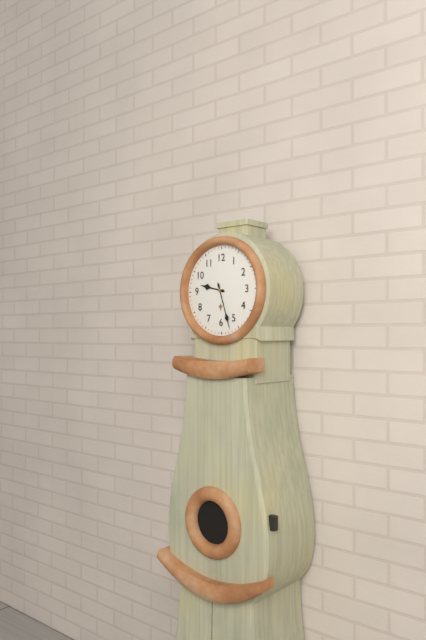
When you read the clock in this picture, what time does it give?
9:27
